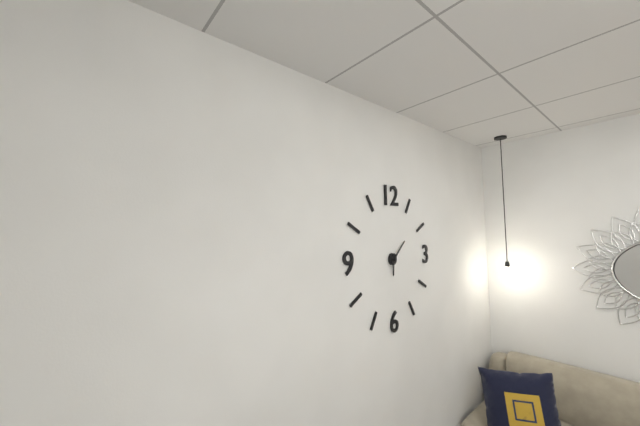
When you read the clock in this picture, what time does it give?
6:08
